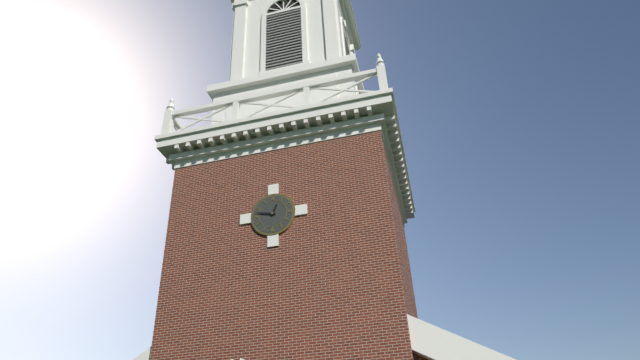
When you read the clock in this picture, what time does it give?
12:47
